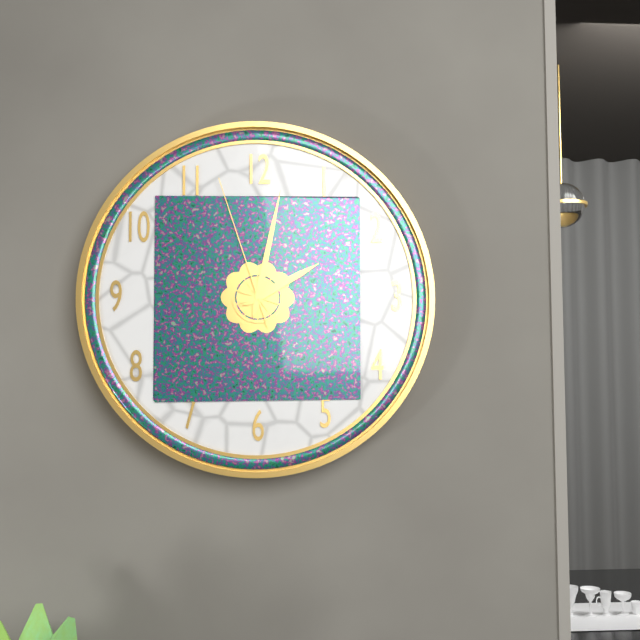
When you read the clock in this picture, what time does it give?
2:02:57
